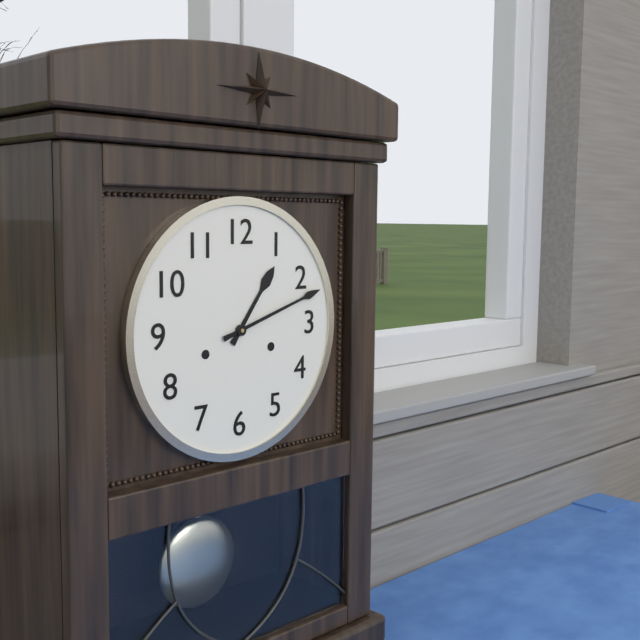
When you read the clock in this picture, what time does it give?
1:12
